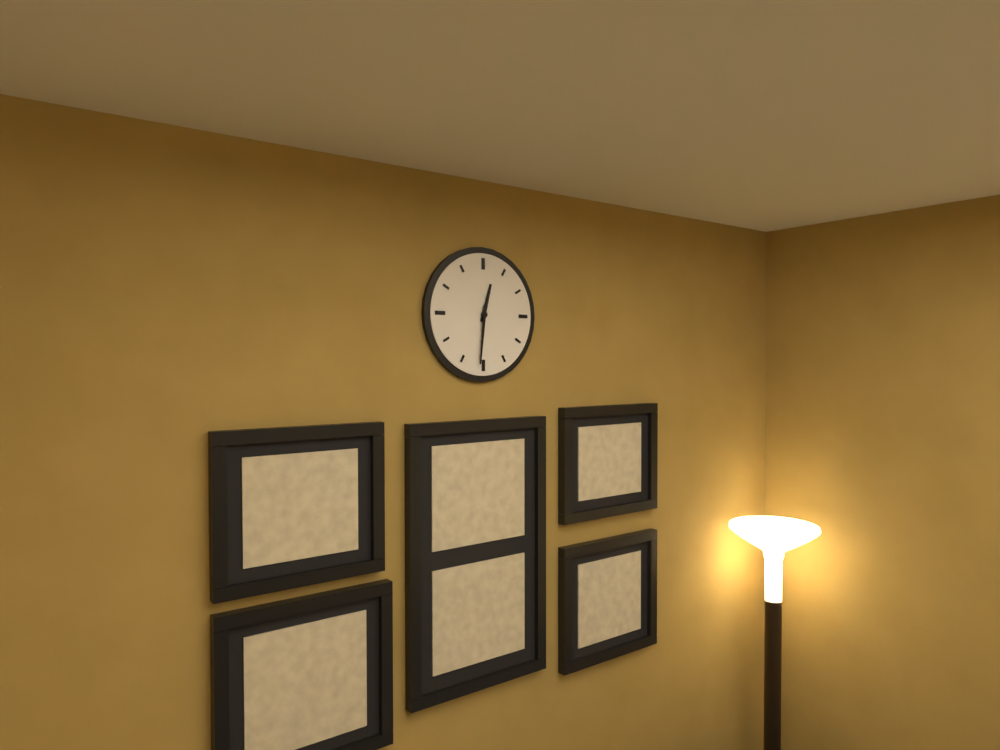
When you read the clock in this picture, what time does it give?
12:31
